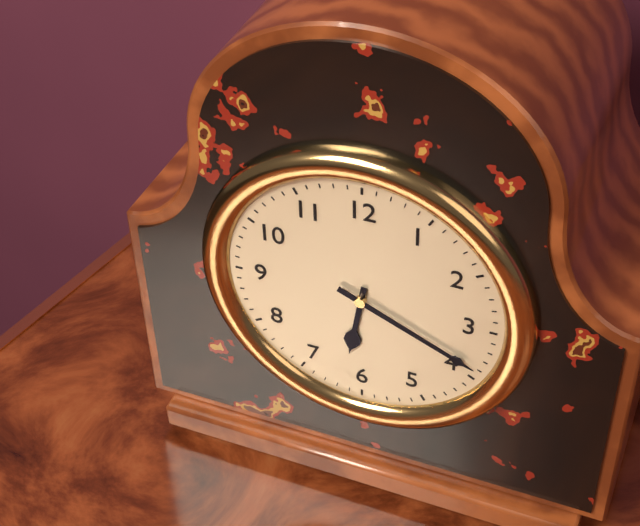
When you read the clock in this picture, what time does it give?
6:19
